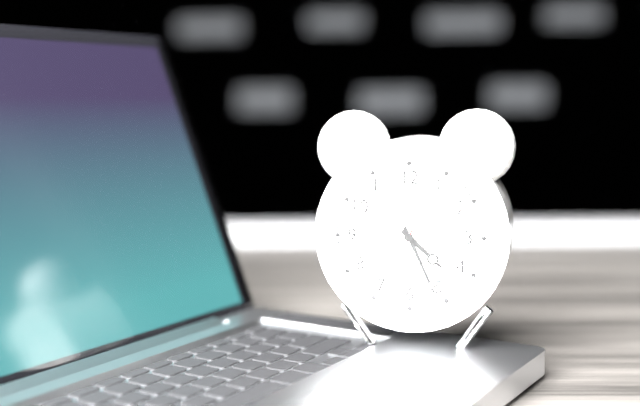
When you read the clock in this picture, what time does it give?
4:26:34
